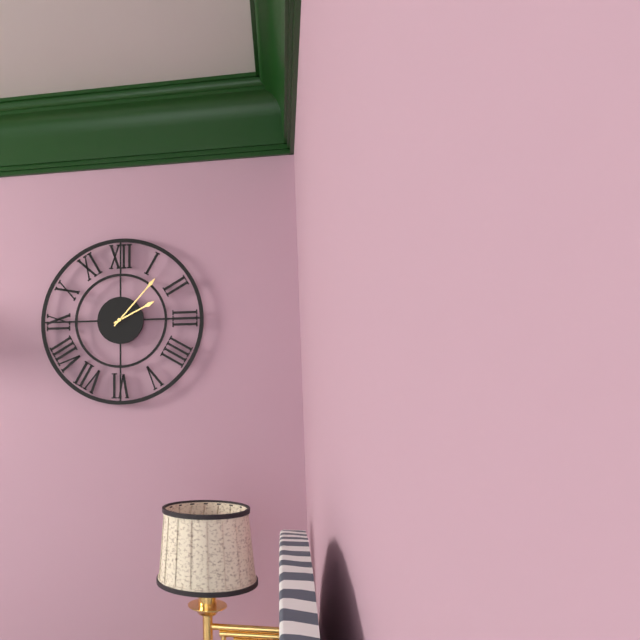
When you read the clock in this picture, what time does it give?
2:07
